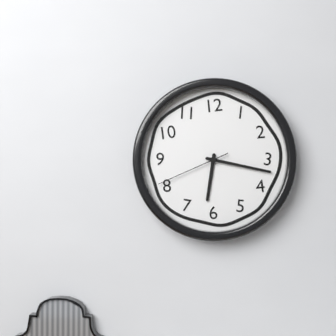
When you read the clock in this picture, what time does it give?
6:17:41
